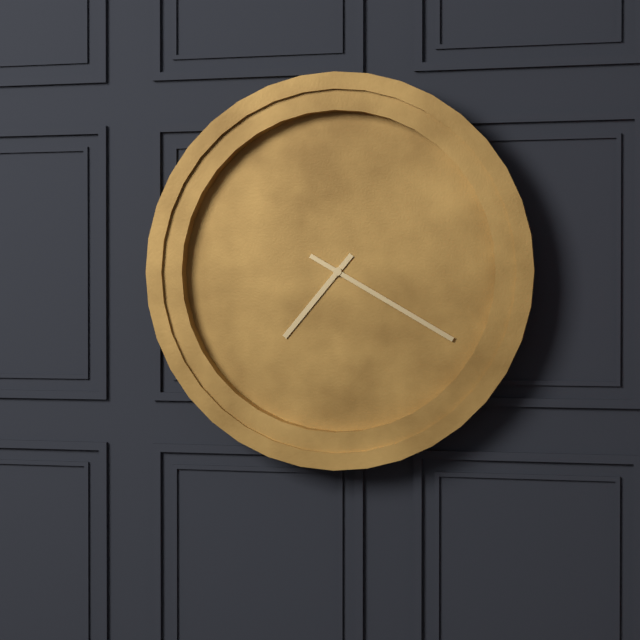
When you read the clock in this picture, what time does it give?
7:20
